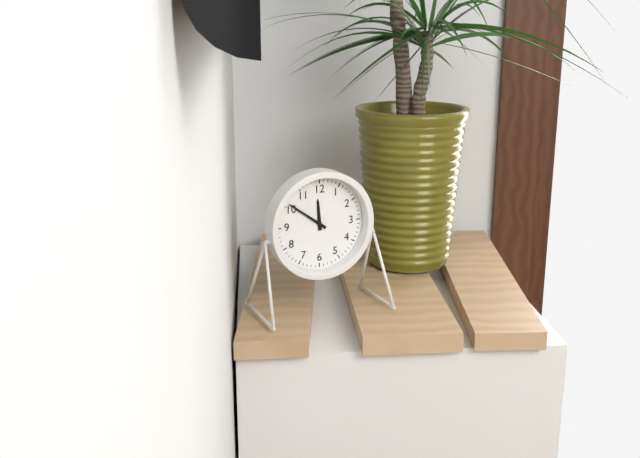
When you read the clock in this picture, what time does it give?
11:51
